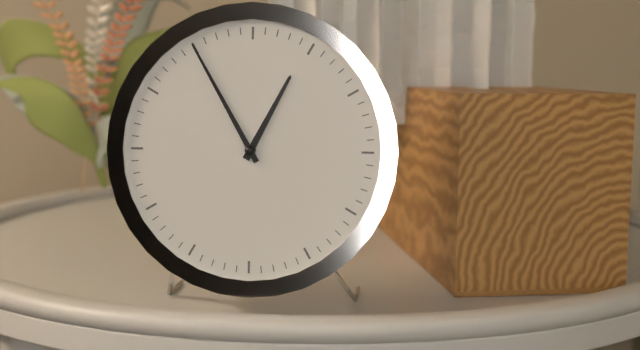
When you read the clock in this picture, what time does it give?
12:55
